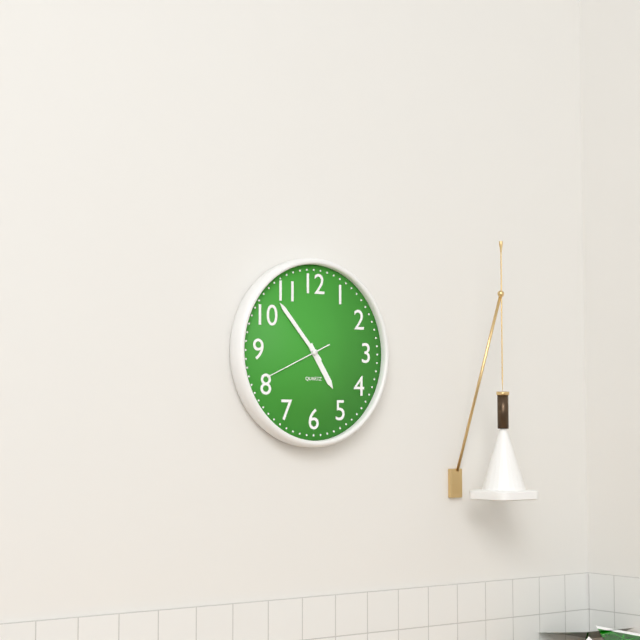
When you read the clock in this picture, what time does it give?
4:53:41
